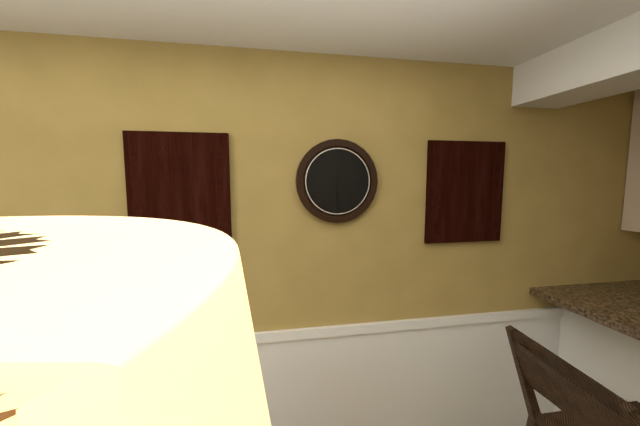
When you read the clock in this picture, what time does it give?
6:30
